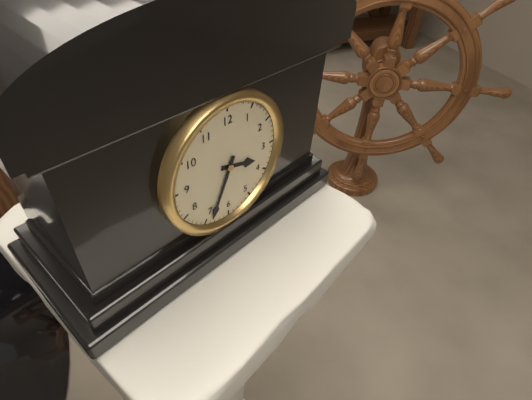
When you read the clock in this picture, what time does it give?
3:34
